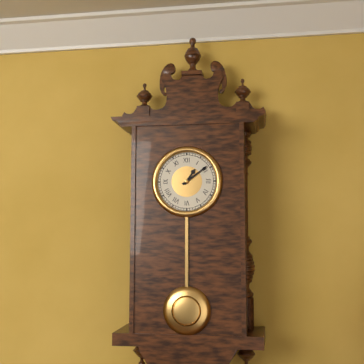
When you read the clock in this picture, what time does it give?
1:09
